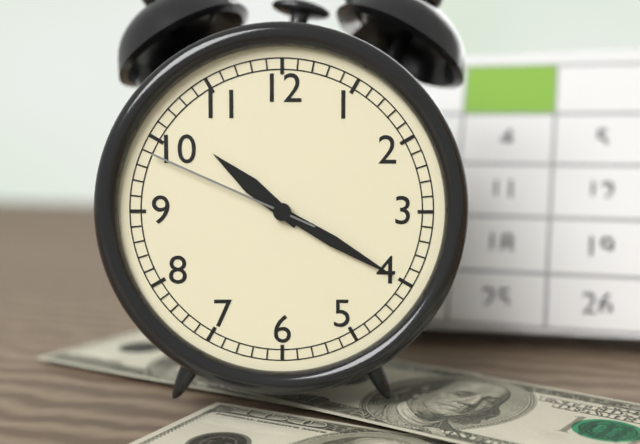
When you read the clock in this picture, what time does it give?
10:20:49
